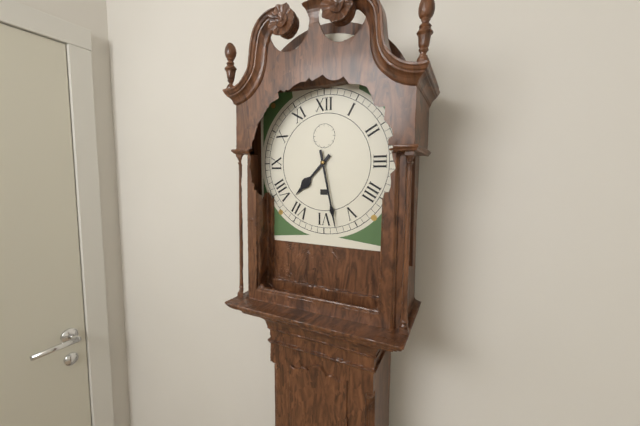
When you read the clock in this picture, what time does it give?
7:28
